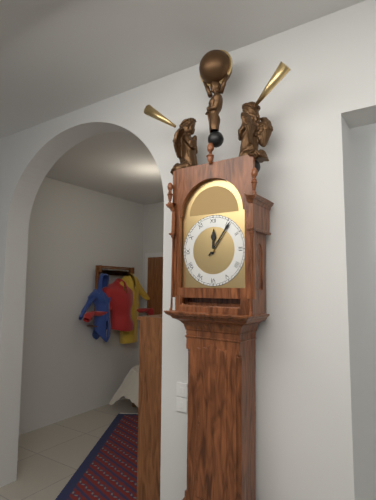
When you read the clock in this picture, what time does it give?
12:06
